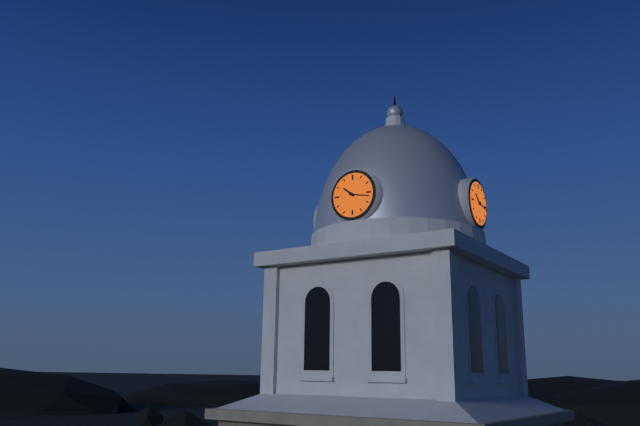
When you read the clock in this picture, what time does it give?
10:17
